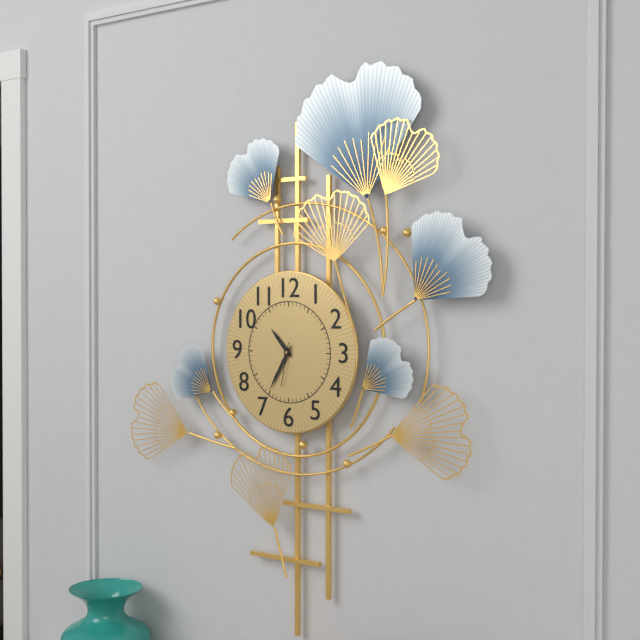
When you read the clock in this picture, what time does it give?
10:35
